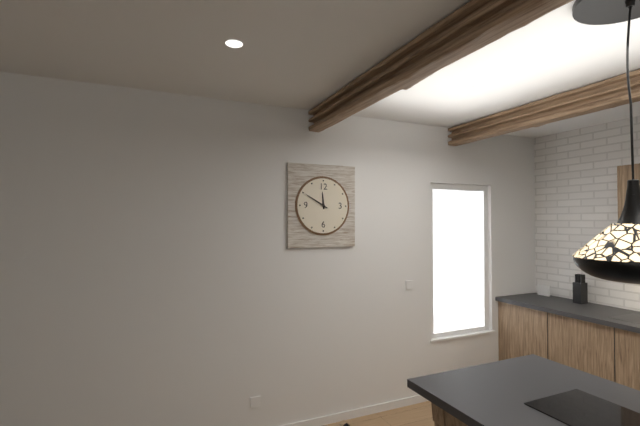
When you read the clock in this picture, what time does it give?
11:50
